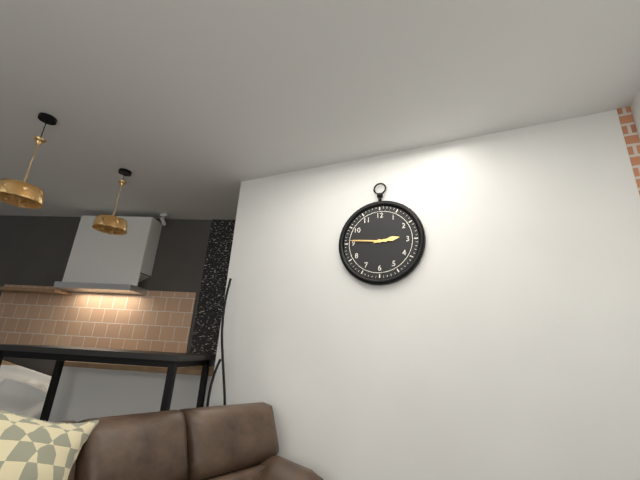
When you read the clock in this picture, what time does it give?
2:46
